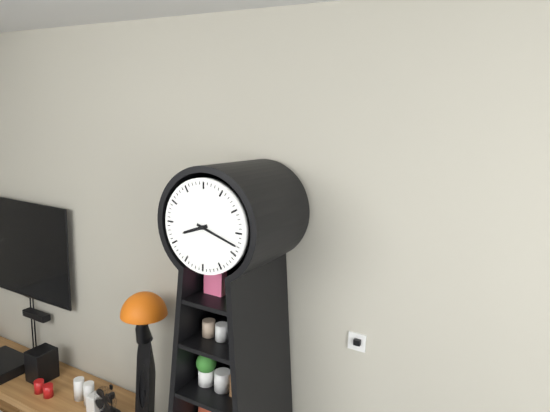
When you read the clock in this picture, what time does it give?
8:18
